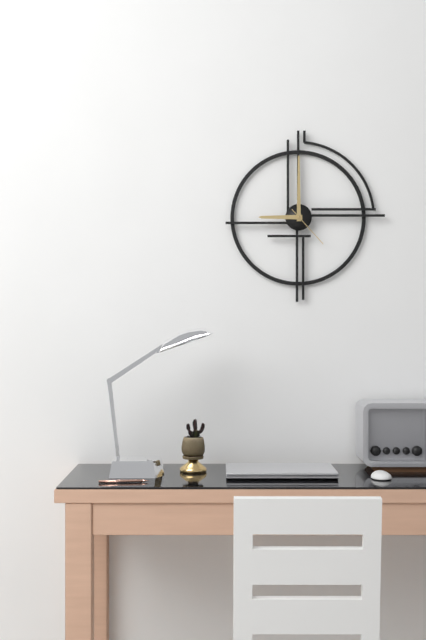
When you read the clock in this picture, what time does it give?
9:00
